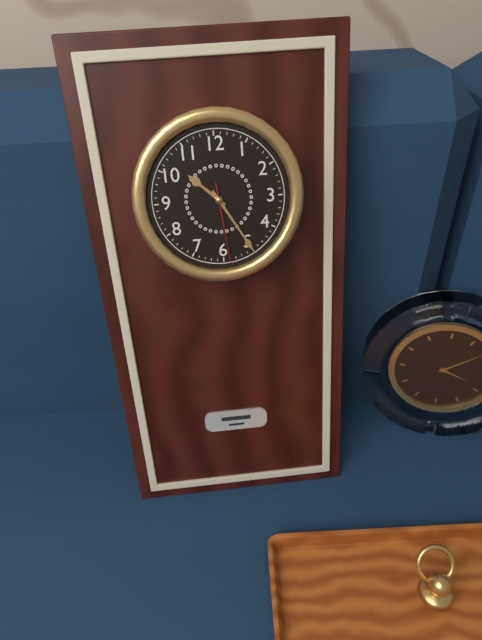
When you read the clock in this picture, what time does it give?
10:25:29
